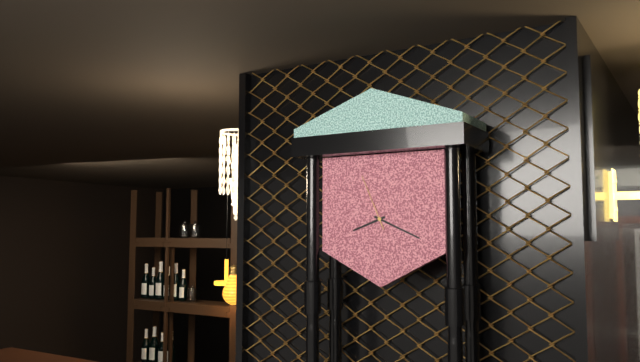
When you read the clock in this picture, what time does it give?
8:19:56
